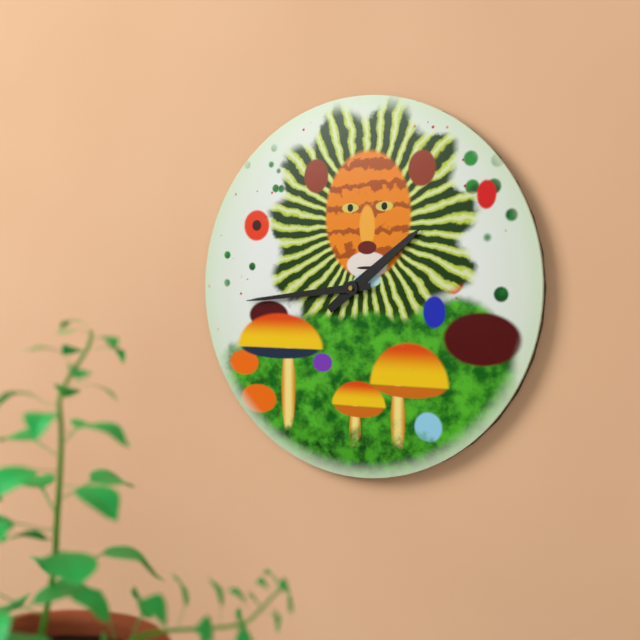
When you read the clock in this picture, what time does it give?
1:44
